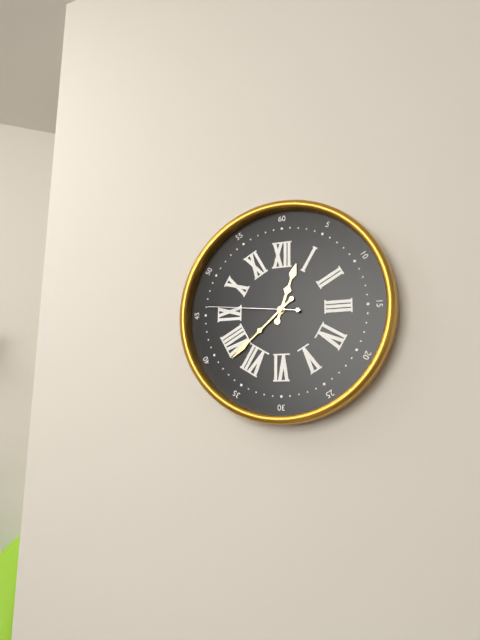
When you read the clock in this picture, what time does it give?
12:38:46
